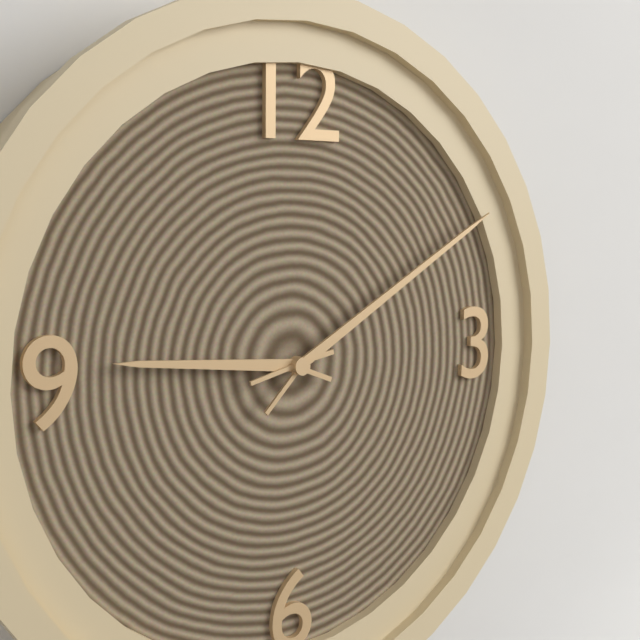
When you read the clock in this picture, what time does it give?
9:10
